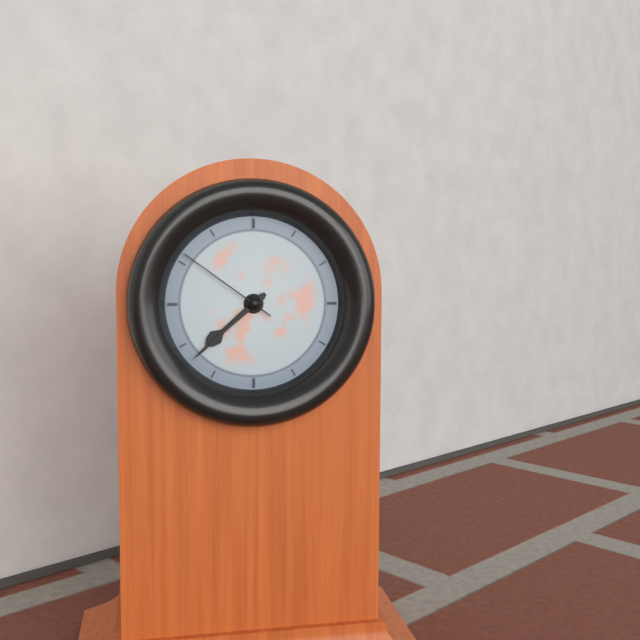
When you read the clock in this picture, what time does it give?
7:38:51
